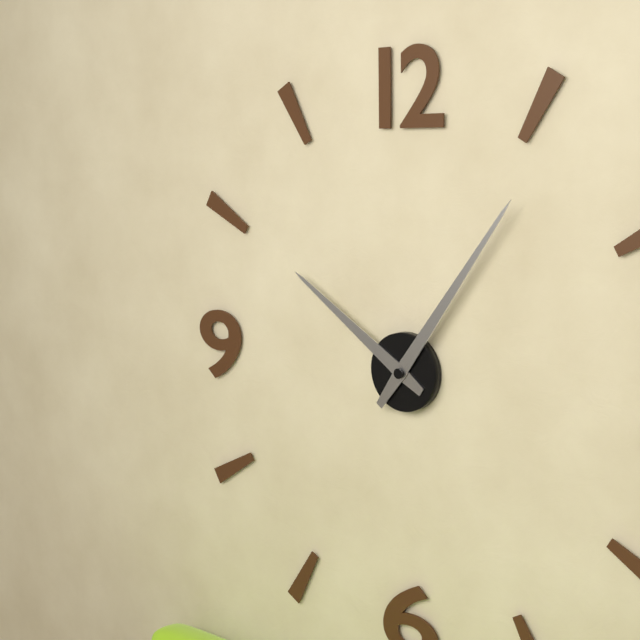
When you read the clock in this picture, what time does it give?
10:06
